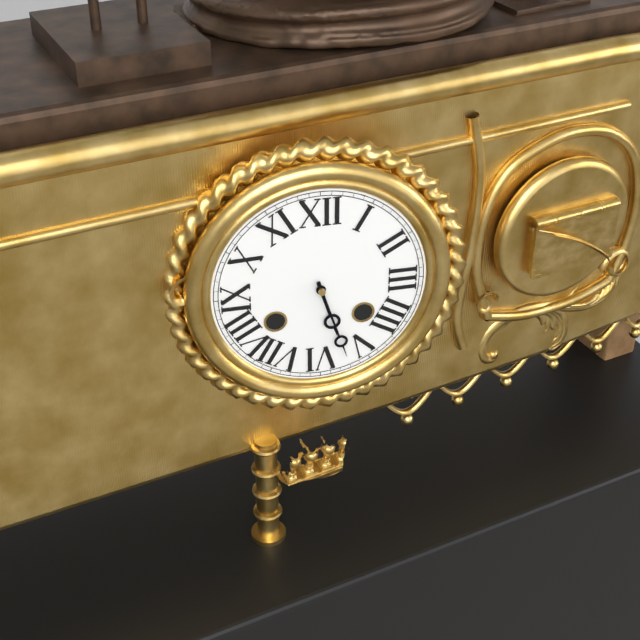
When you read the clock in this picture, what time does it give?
5:27
